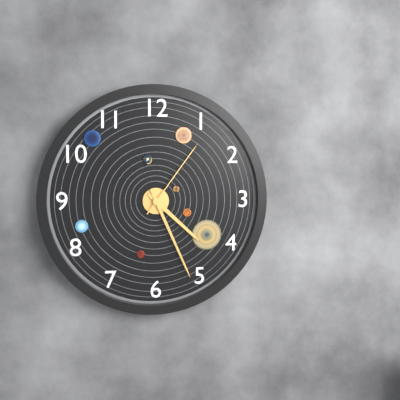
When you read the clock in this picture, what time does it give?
4:26:06
